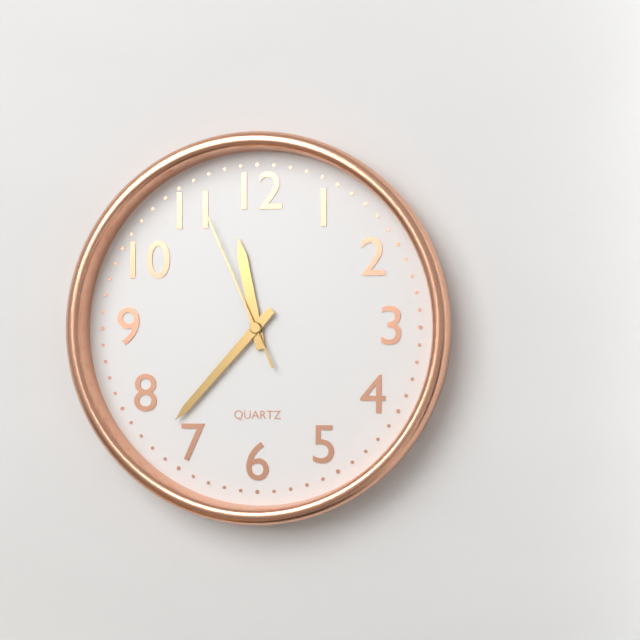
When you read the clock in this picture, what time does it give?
11:37:56
